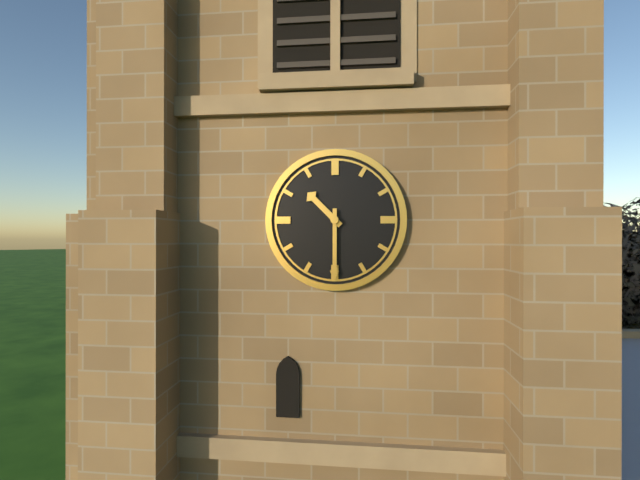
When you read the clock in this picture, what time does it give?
10:30
